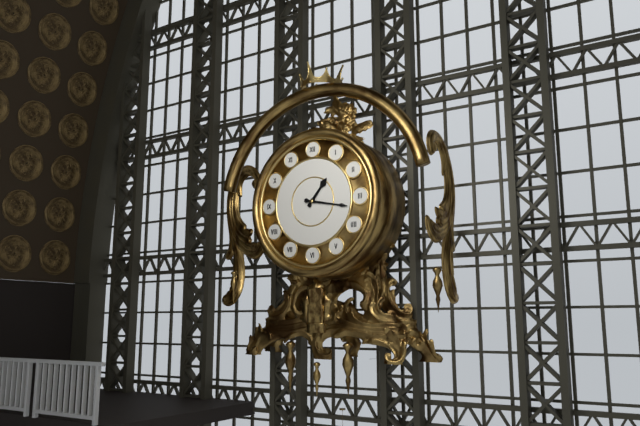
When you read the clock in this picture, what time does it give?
1:17
